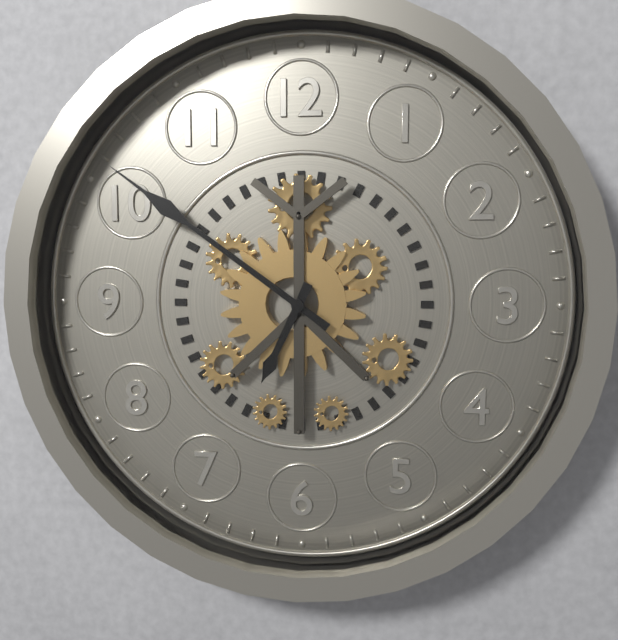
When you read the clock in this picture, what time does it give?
6:51
